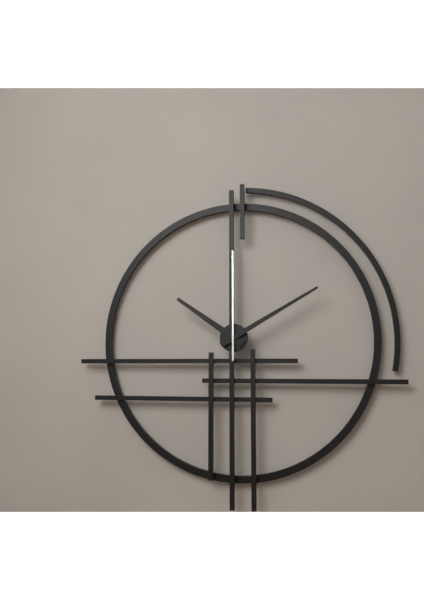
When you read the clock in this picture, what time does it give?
10:10:00
